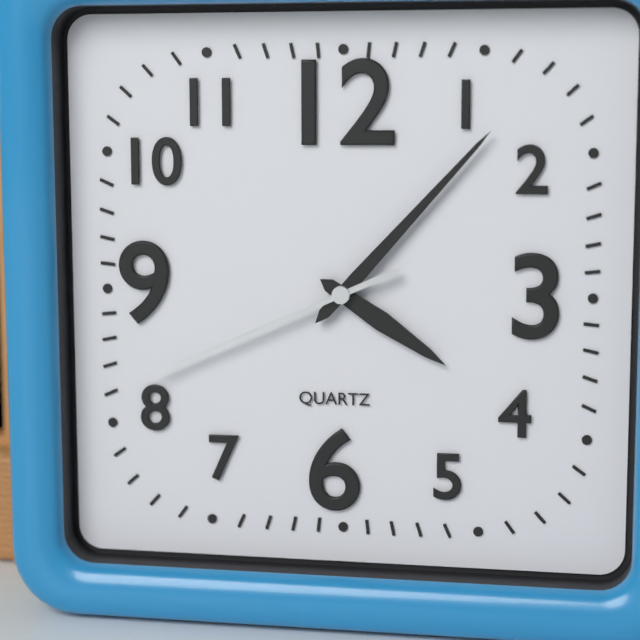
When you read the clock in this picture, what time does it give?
4:07:41
